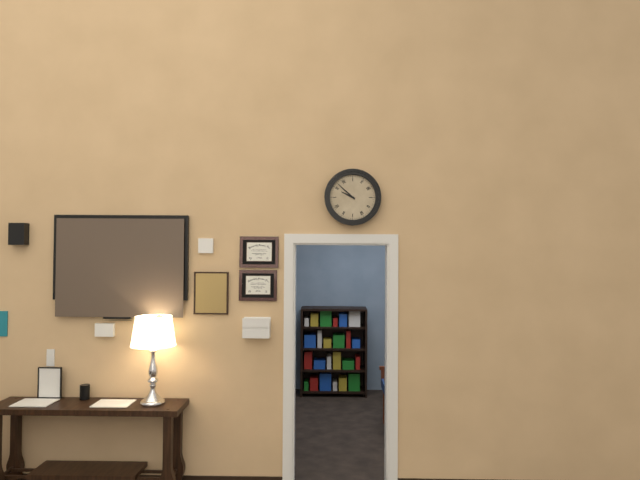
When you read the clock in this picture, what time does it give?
9:52
